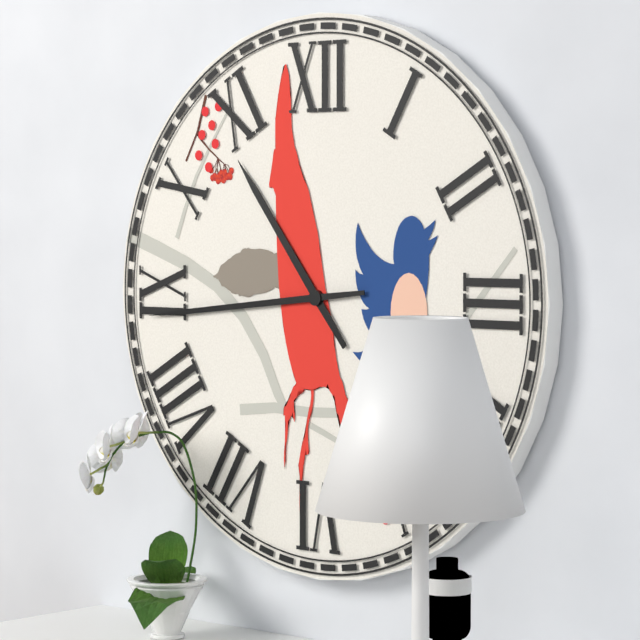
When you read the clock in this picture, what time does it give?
10:44
